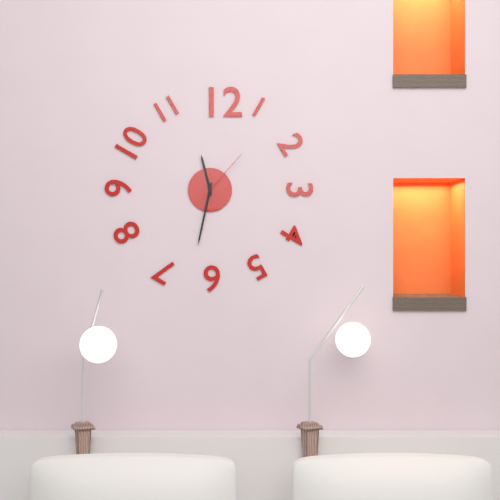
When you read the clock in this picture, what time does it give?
11:32:07
